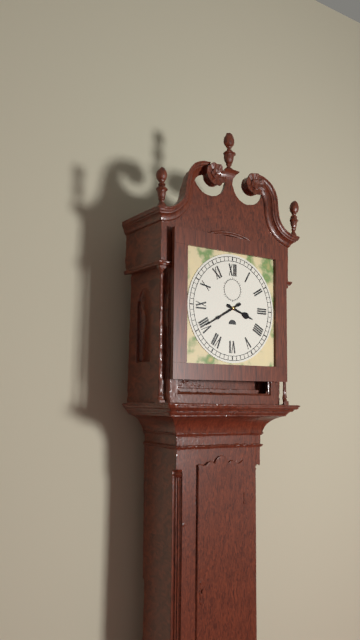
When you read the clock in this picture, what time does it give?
3:40
